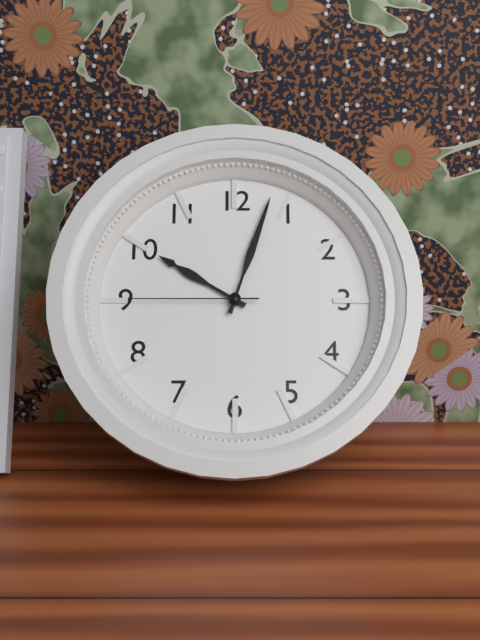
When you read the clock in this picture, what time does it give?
10:03:45
